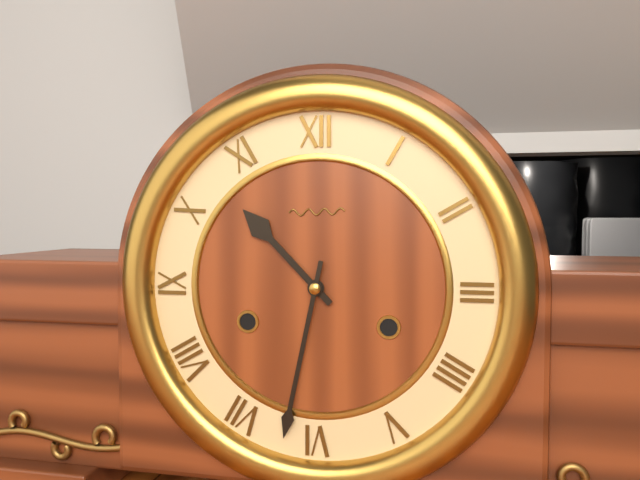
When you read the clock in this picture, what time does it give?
10:32
